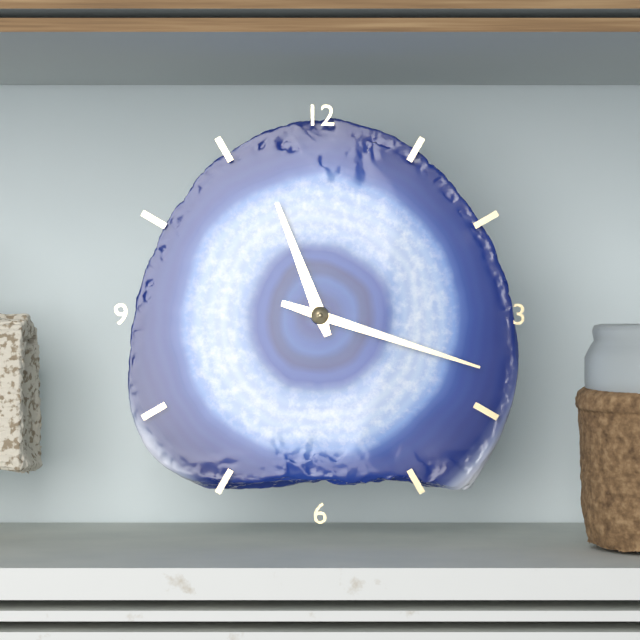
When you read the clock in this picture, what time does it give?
11:18
